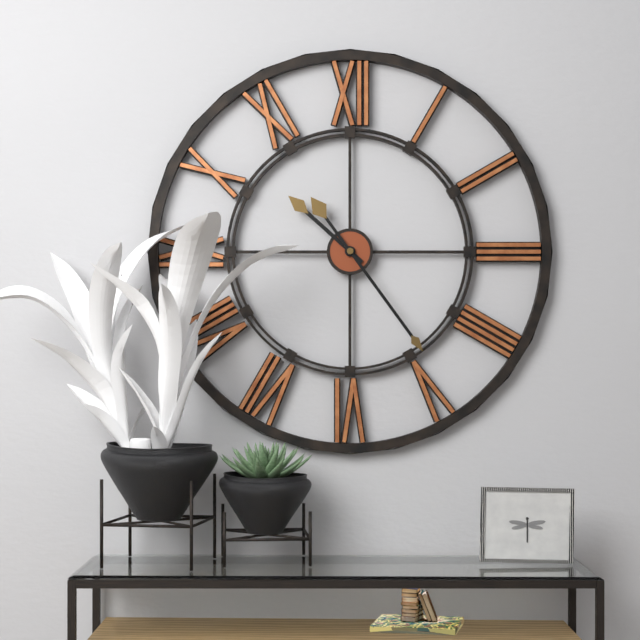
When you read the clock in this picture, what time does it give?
10:24
